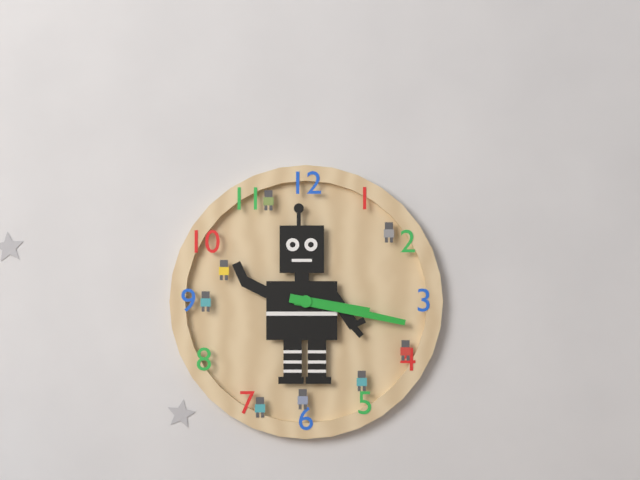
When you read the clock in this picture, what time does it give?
3:17
